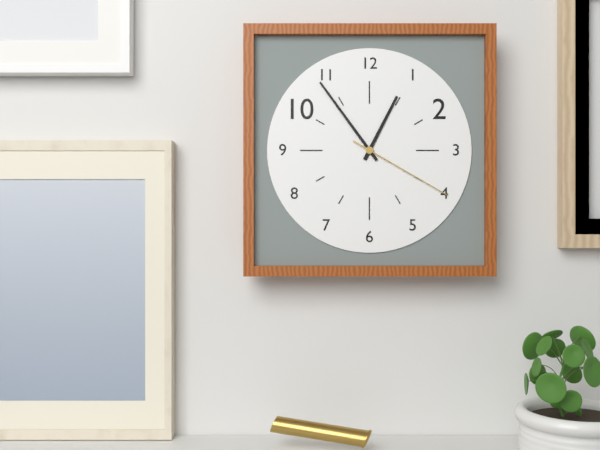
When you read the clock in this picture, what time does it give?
12:54:20
